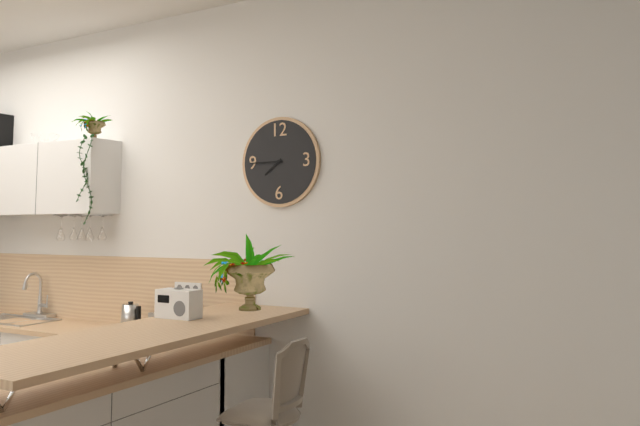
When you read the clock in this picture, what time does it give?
7:45
